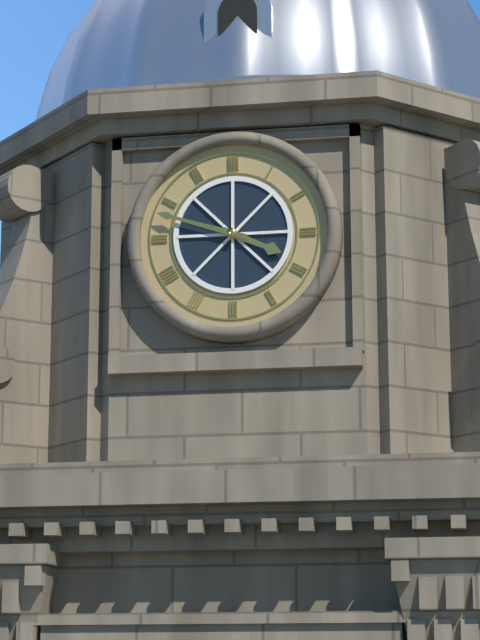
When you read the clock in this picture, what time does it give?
3:48
